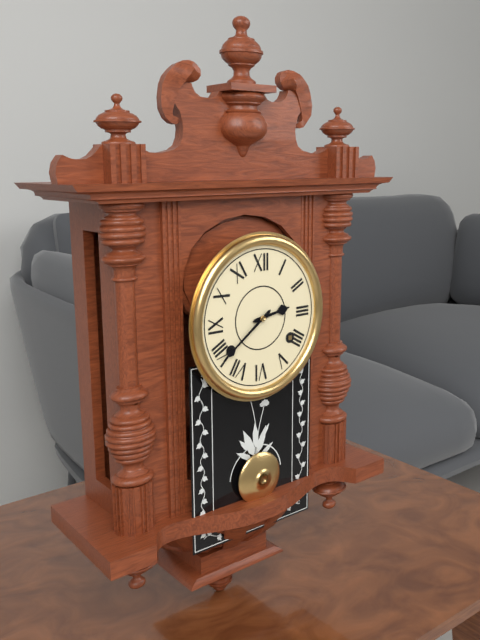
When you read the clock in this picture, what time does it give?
2:39
